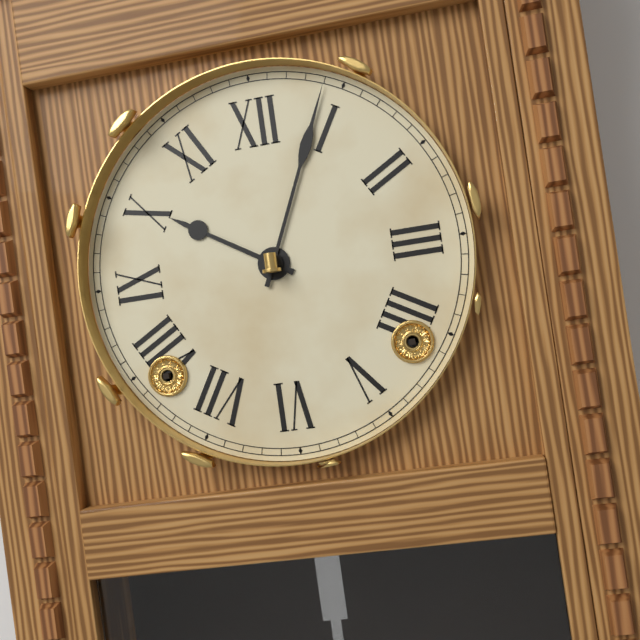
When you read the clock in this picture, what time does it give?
10:04
